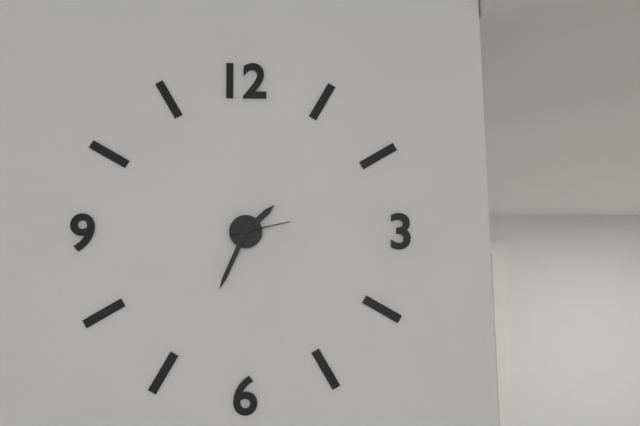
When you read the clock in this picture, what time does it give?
1:34:13
